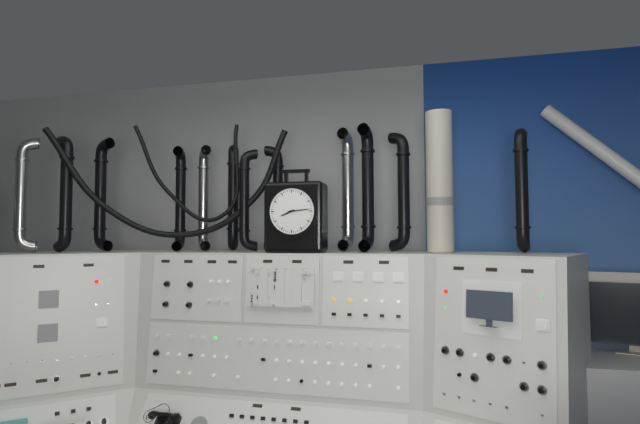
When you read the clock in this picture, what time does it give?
8:14
